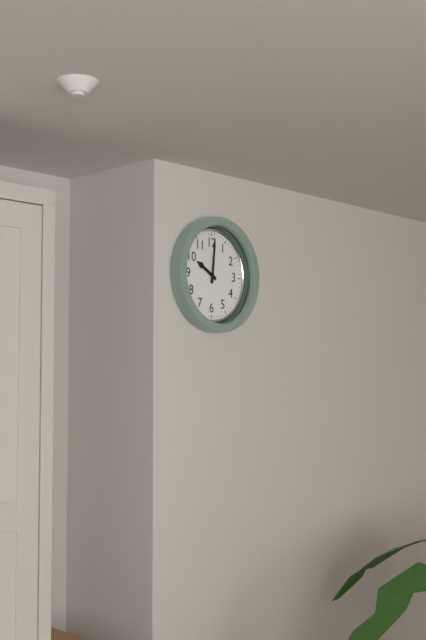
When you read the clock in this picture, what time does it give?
10:01
